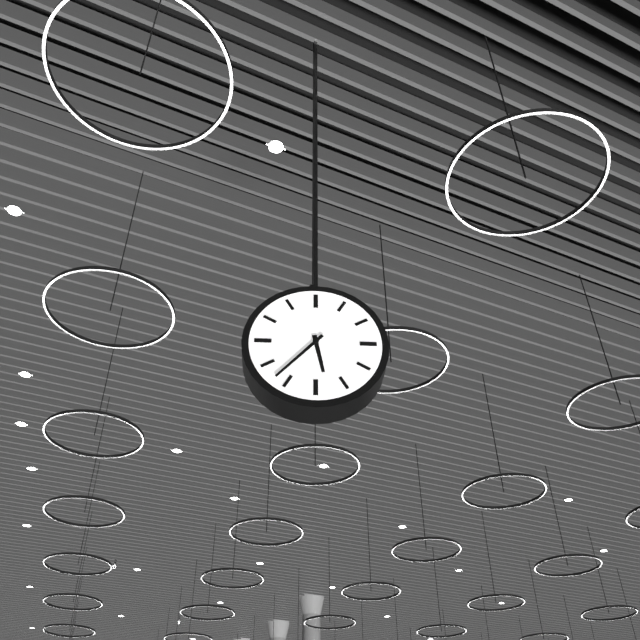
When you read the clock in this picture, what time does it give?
5:37
